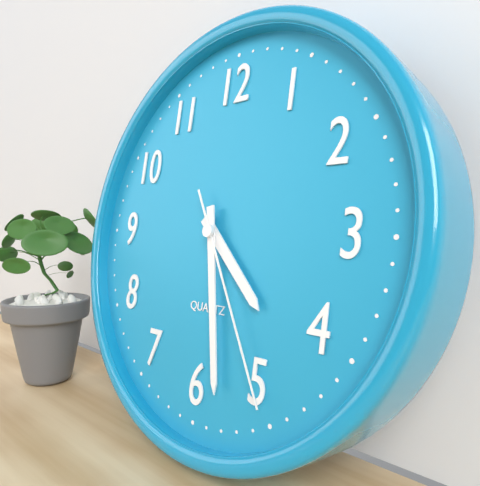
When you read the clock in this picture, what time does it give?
4:28:25
